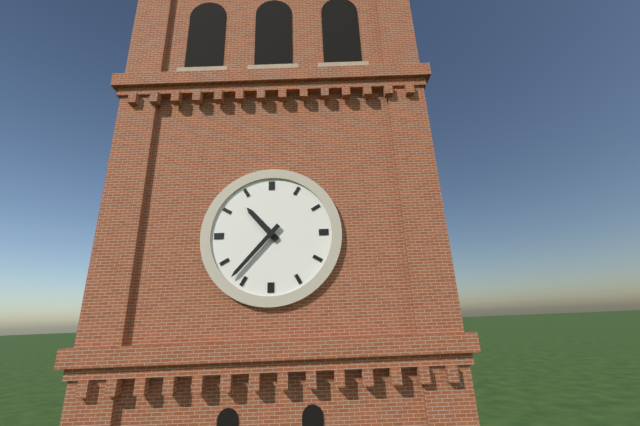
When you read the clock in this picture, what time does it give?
10:37
